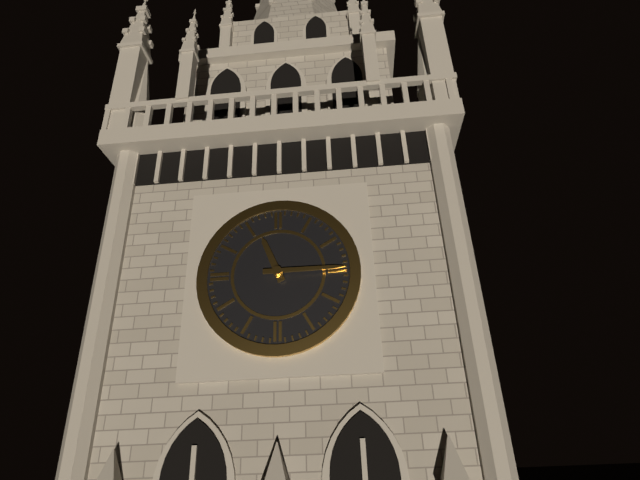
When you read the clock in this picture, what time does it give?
11:15
